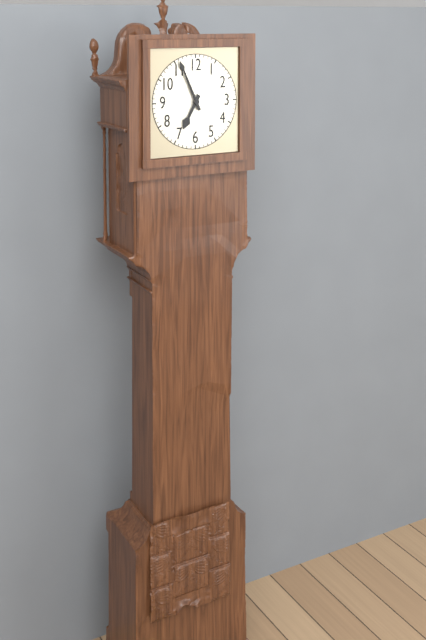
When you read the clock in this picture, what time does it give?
6:56
